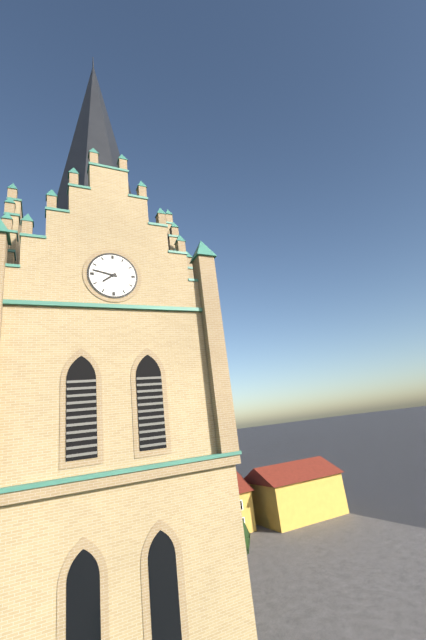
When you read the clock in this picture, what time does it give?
7:47
